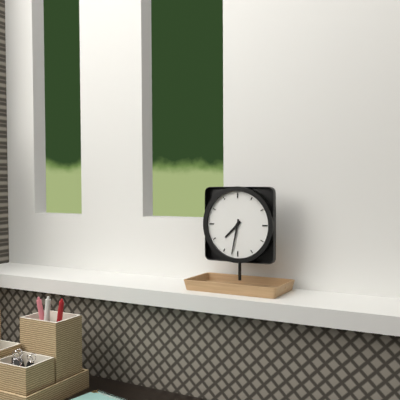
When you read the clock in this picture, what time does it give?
7:32
